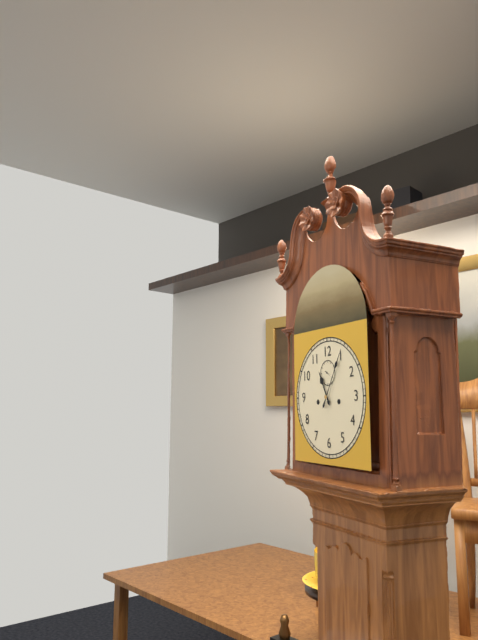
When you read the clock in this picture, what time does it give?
11:05
